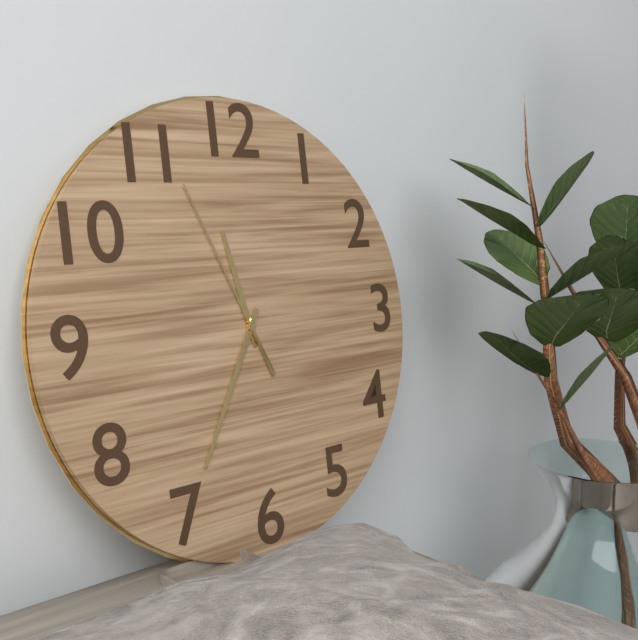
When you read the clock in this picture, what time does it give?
11:35:56
